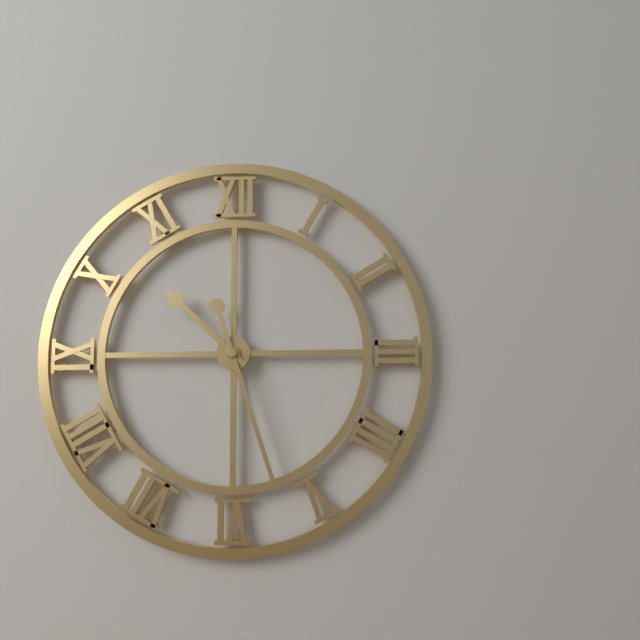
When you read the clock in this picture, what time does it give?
10:27
